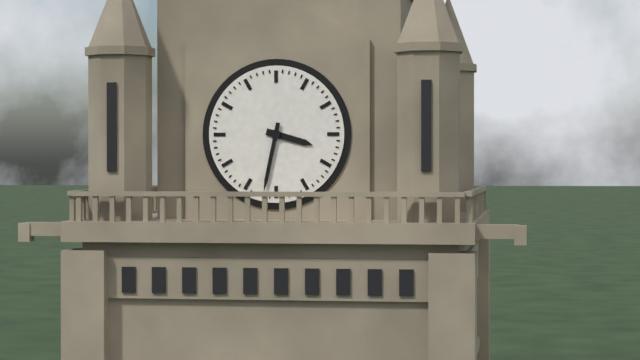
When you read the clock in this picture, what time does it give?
3:32
